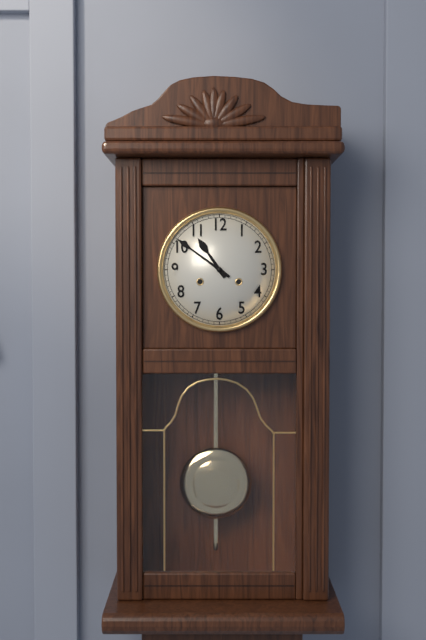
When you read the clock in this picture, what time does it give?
10:51
